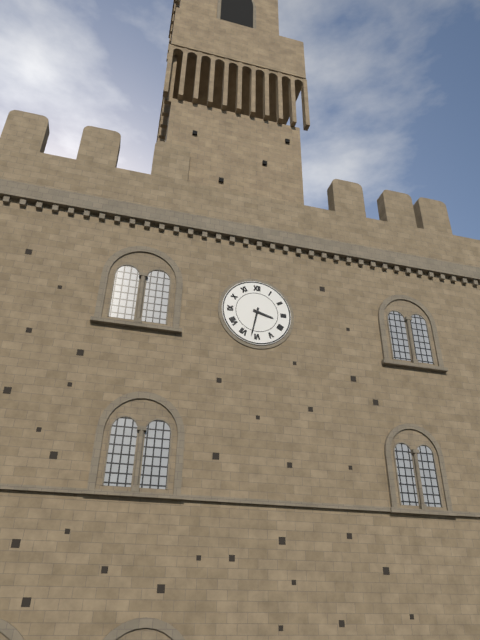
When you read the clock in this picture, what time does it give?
3:32
